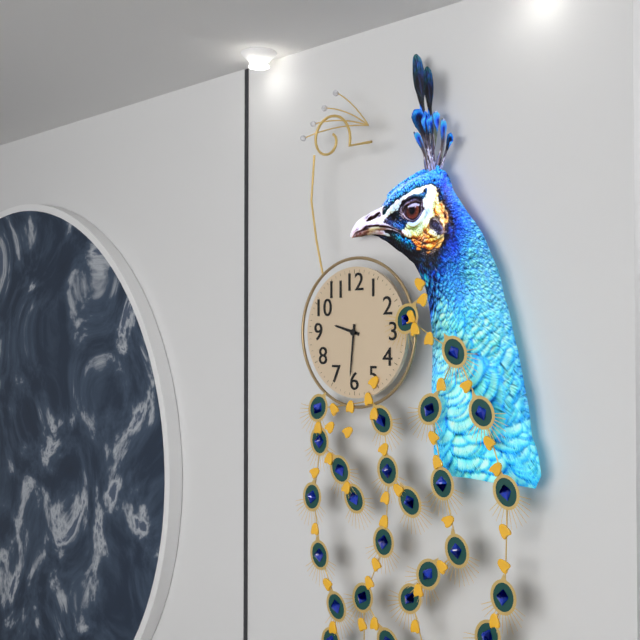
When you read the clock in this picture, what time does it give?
9:31
